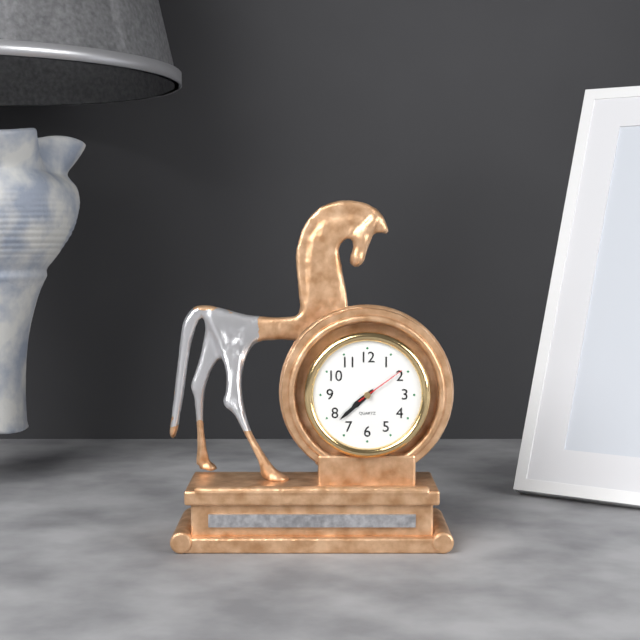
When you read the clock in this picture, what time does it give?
7:38:09
